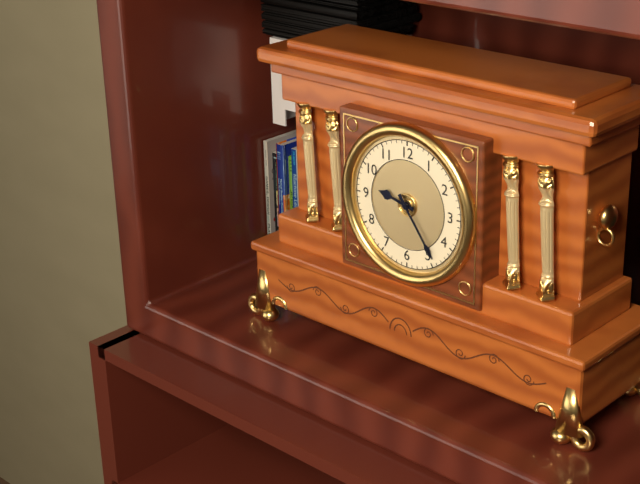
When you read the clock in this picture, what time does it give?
9:24
